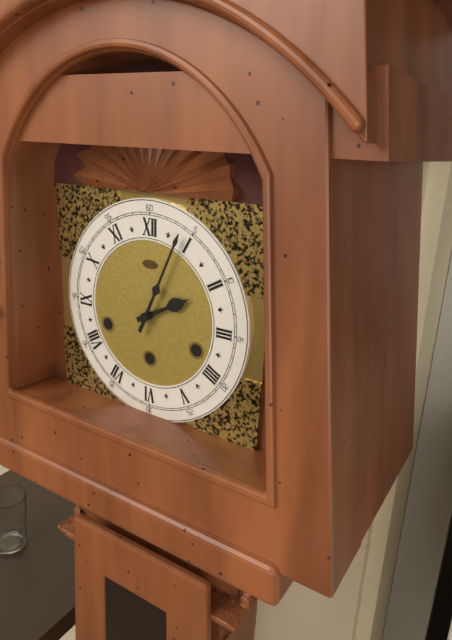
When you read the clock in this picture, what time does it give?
2:04
